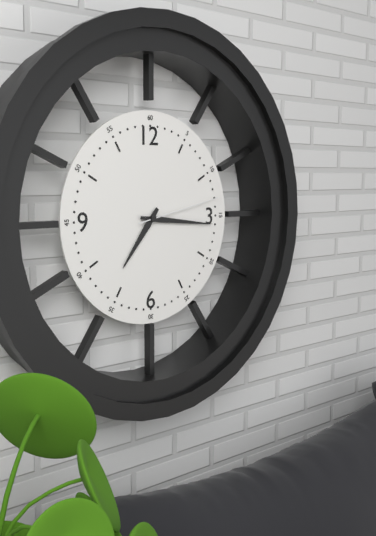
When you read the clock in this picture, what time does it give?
7:16:13
